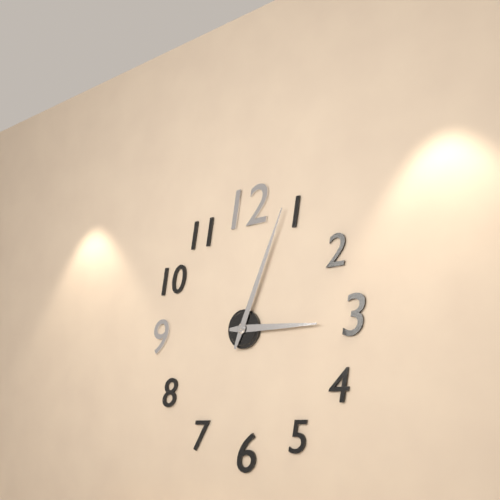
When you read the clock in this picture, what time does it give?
3:04
